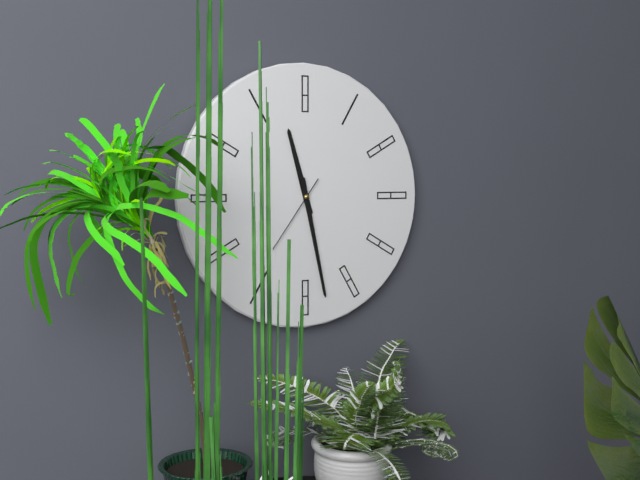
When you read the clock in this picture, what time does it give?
11:28:36
